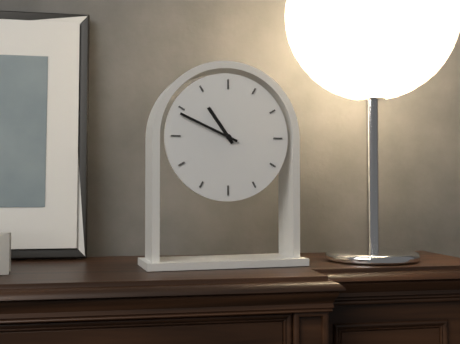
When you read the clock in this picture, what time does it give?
10:49
